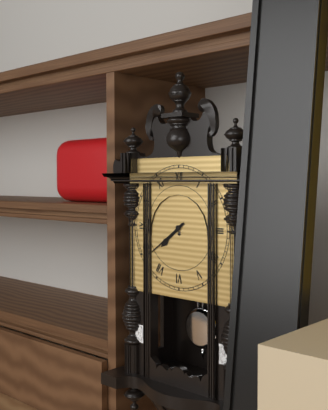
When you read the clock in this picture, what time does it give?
7:39
